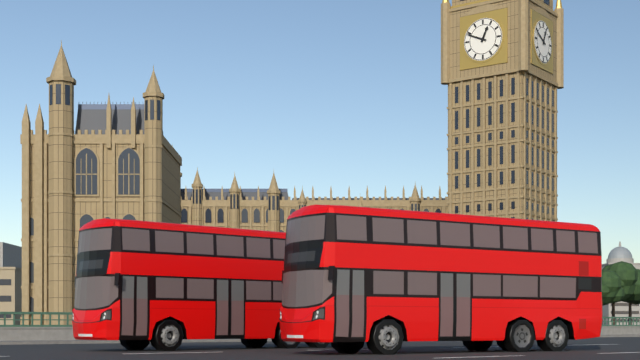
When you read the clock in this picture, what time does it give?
12:49
